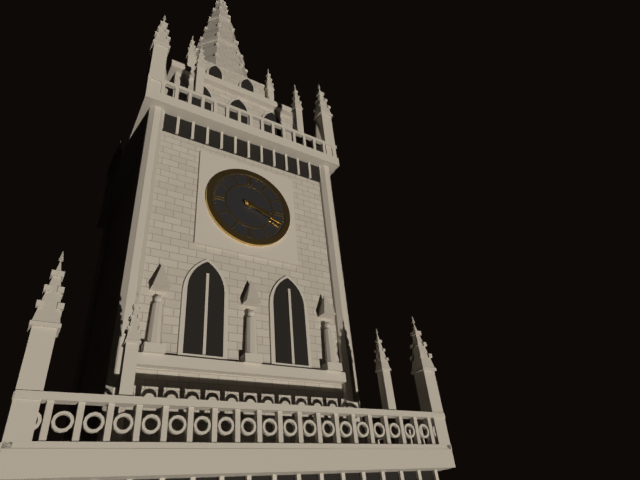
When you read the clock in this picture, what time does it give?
3:19
